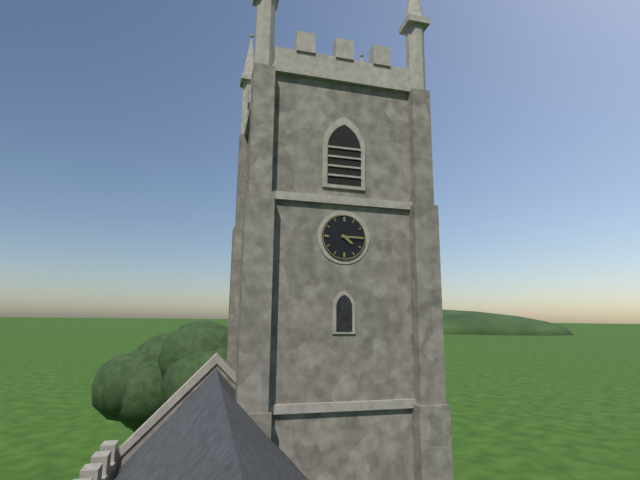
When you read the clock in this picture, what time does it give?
4:15
